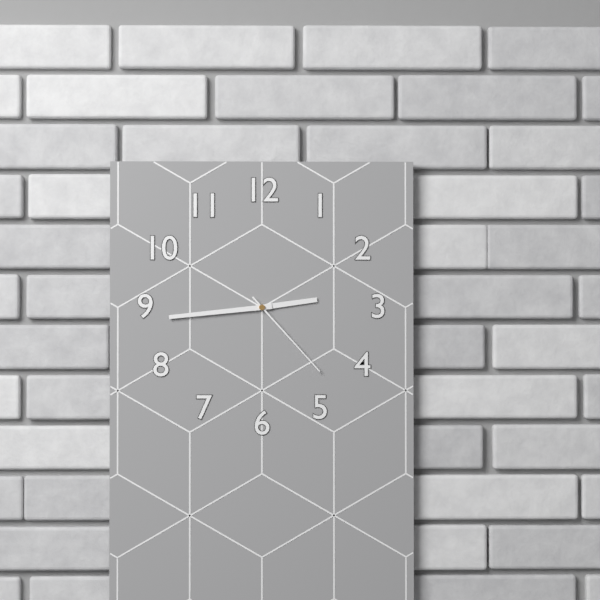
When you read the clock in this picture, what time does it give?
2:44:23
